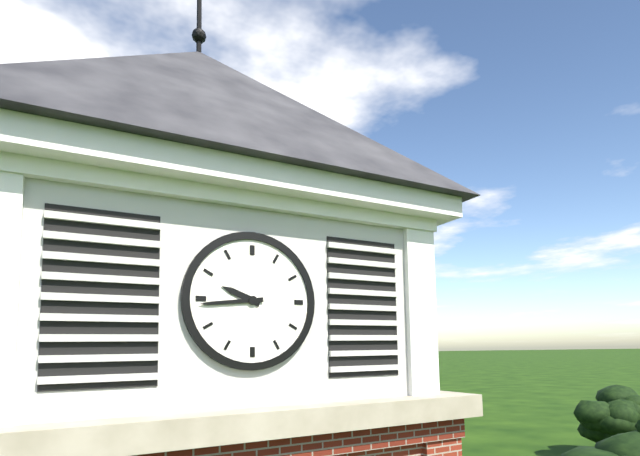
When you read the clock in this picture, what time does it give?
9:44
